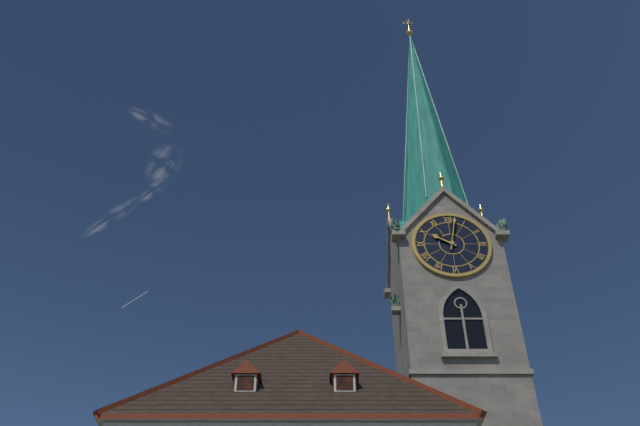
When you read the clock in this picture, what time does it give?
10:02
